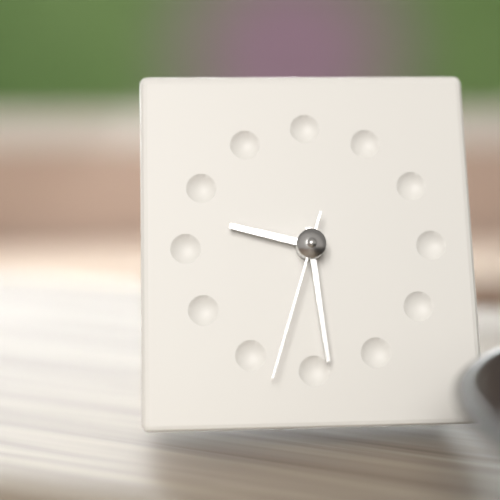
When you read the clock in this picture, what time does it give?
9:29:33
